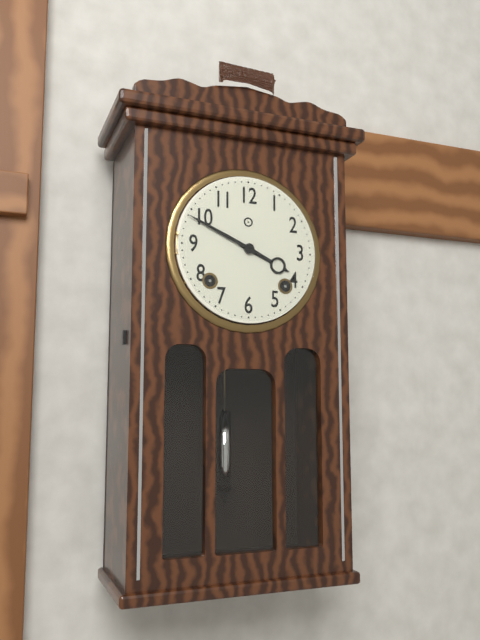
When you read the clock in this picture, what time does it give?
3:49
